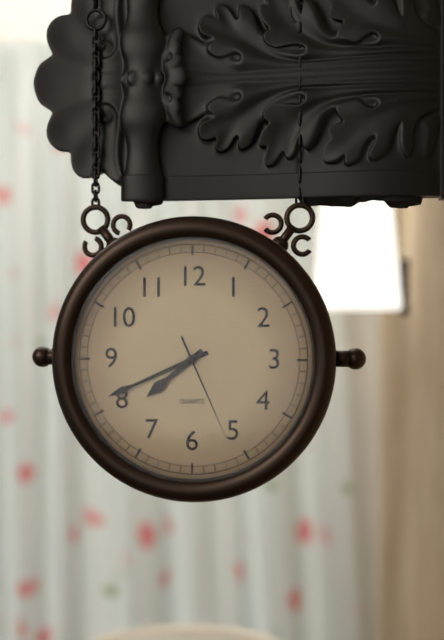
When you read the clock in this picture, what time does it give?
7:41:26
